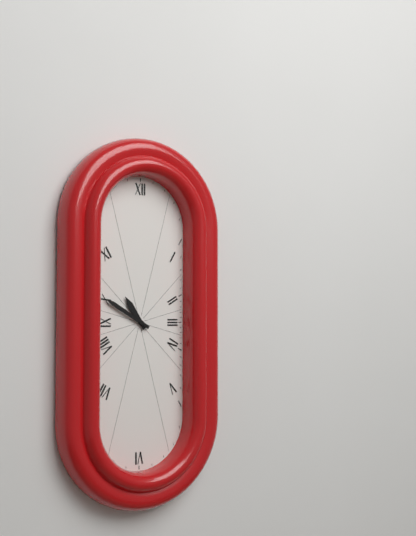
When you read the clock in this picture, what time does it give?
10:50
